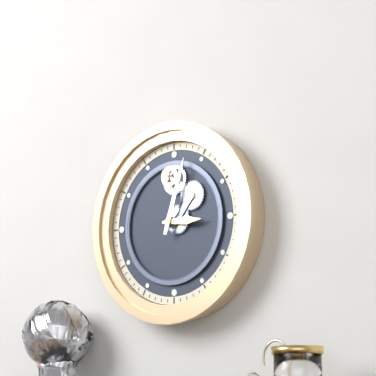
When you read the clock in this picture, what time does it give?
3:03
